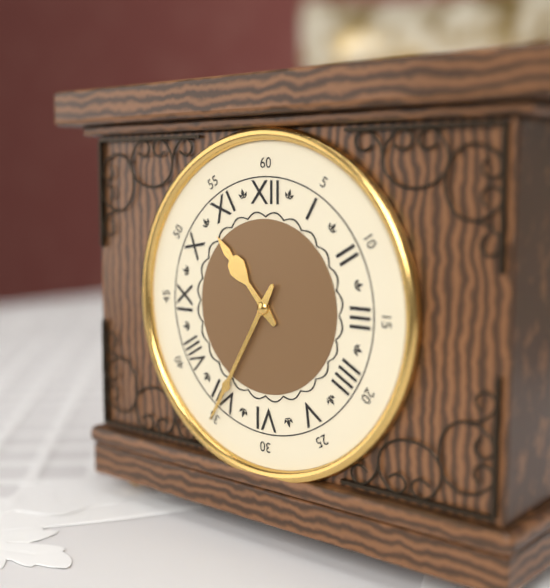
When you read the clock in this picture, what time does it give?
10:35
